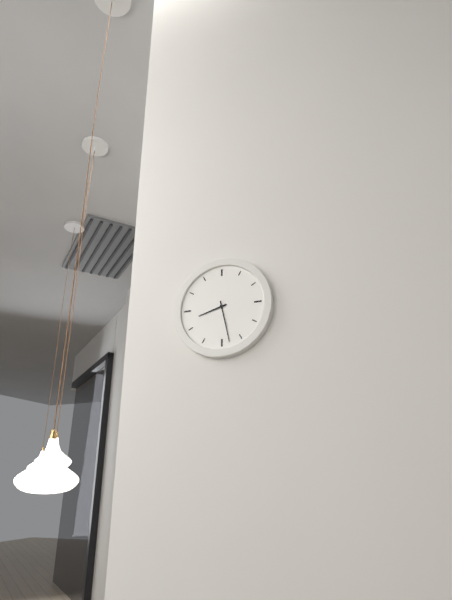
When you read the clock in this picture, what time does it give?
8:28
